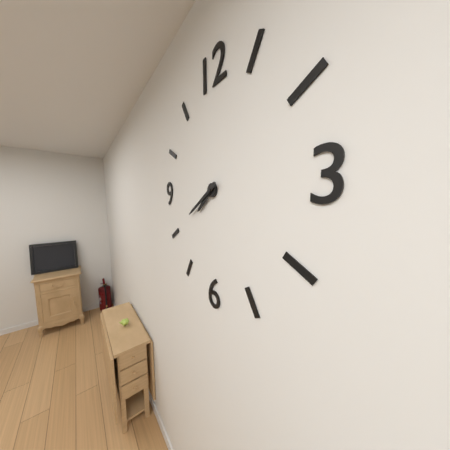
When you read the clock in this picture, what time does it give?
7:40
